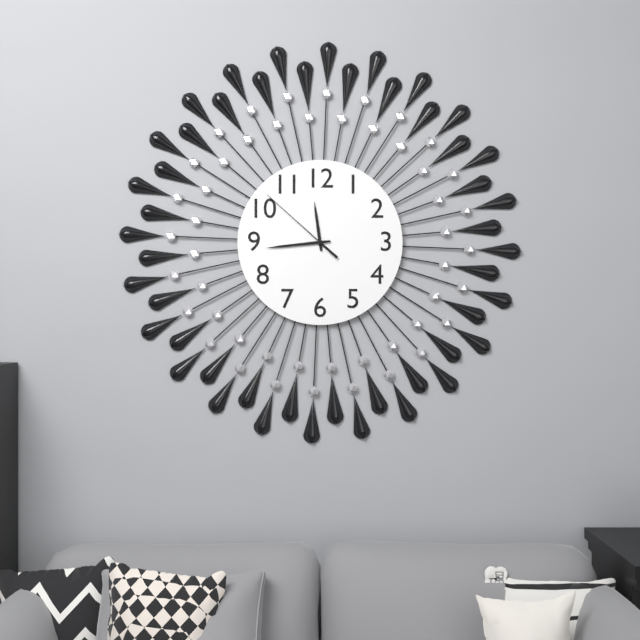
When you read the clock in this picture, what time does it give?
11:44:52
